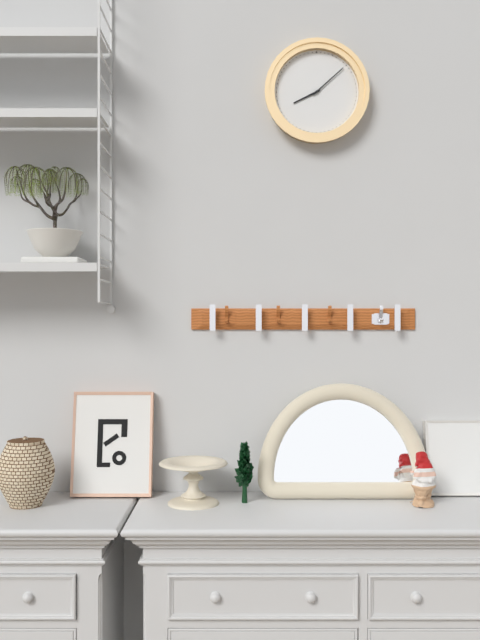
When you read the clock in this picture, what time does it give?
8:08
